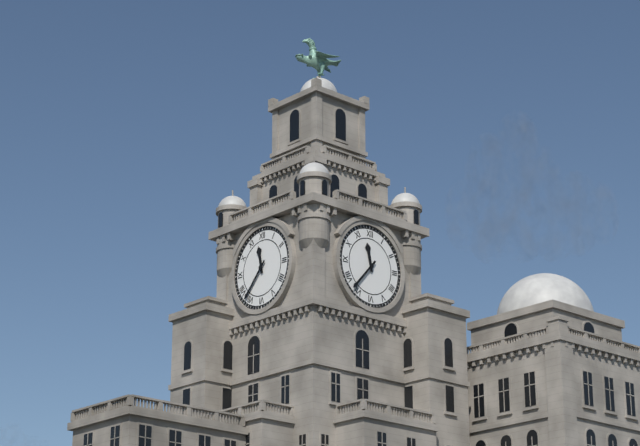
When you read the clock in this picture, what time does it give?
11:37
